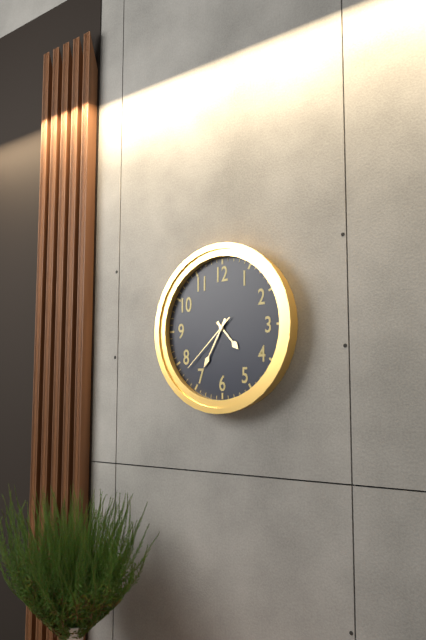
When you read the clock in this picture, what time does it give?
4:35:38
